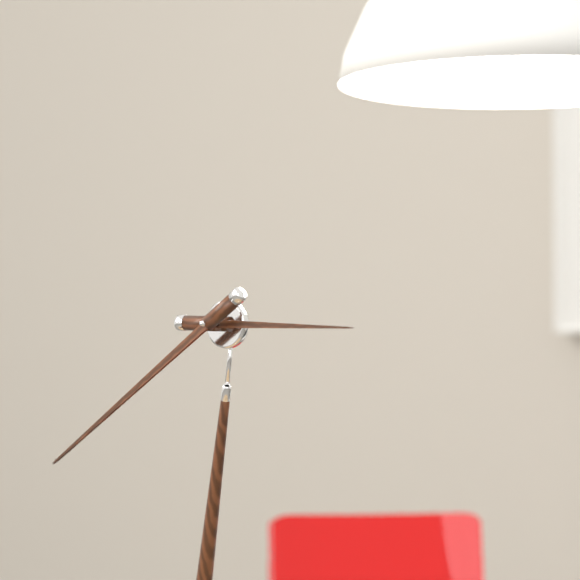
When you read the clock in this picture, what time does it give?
2:37
